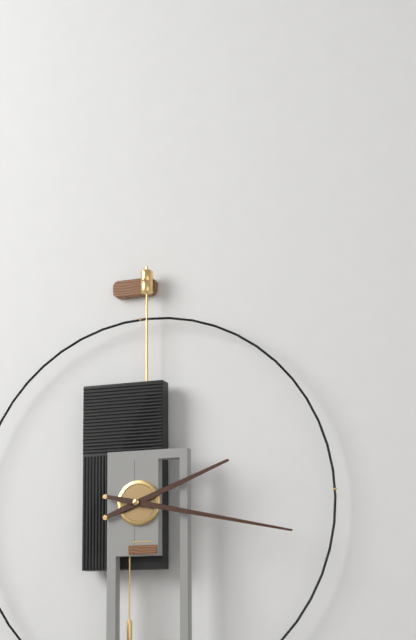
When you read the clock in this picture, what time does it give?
2:17
